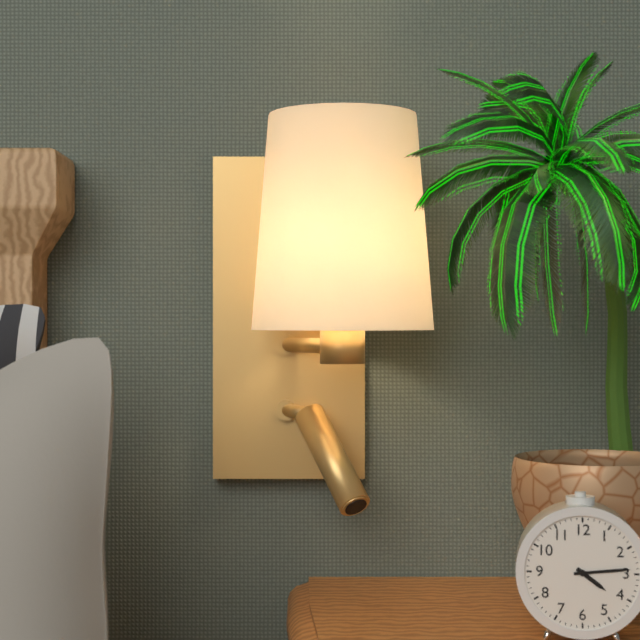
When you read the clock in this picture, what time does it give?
4:14
